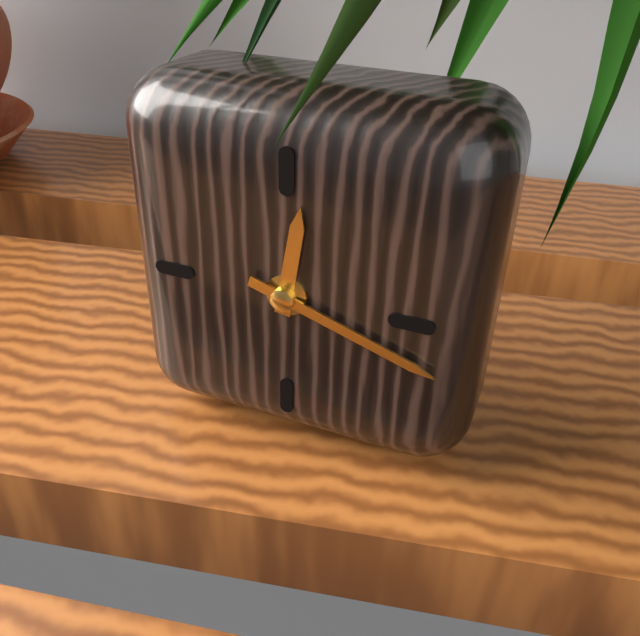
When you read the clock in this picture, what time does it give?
12:18
